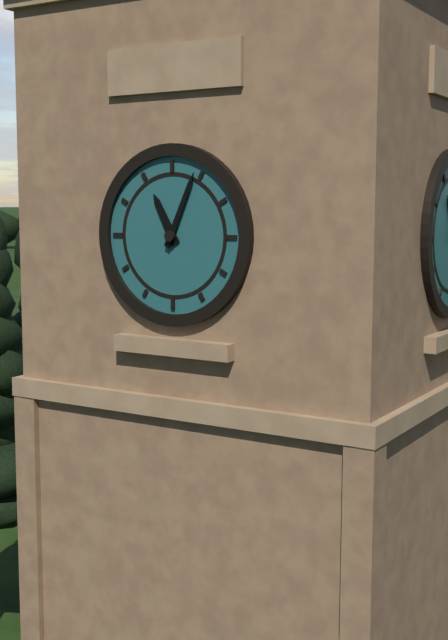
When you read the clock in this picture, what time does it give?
11:04
